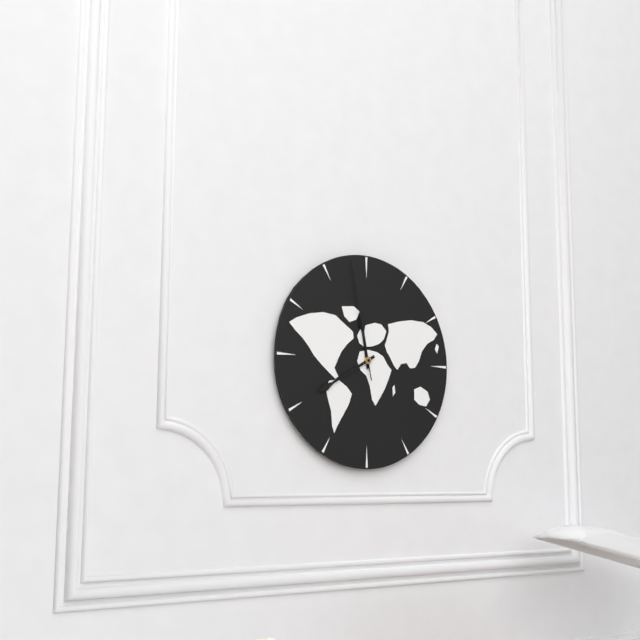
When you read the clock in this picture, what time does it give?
11:40:58
